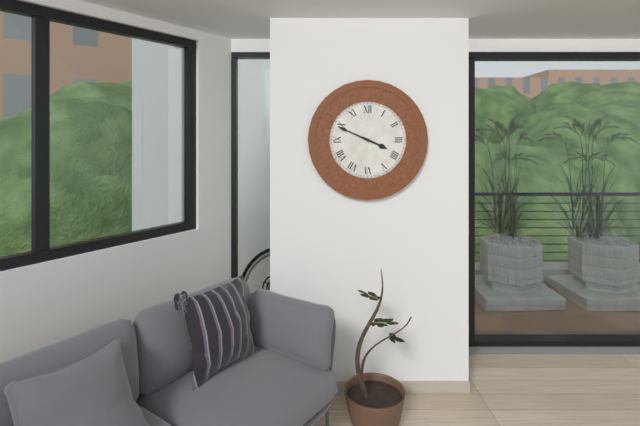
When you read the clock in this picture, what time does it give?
3:49
